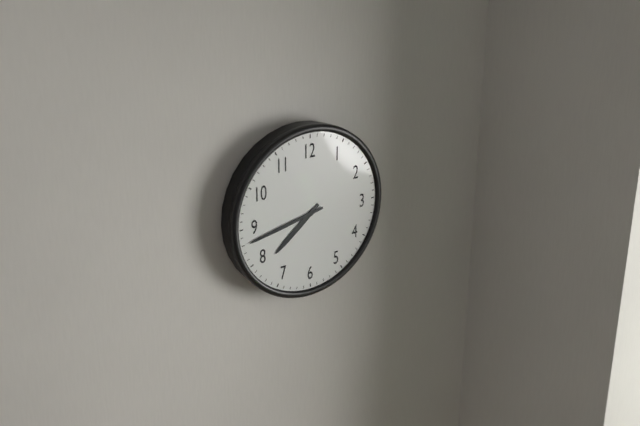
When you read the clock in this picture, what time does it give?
7:43
